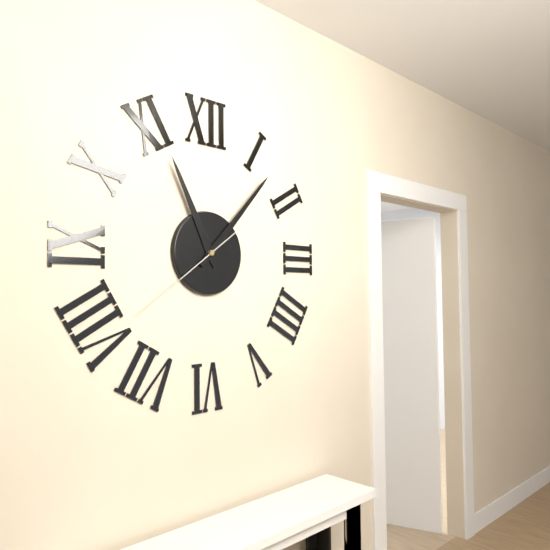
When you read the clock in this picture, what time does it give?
11:07:39
